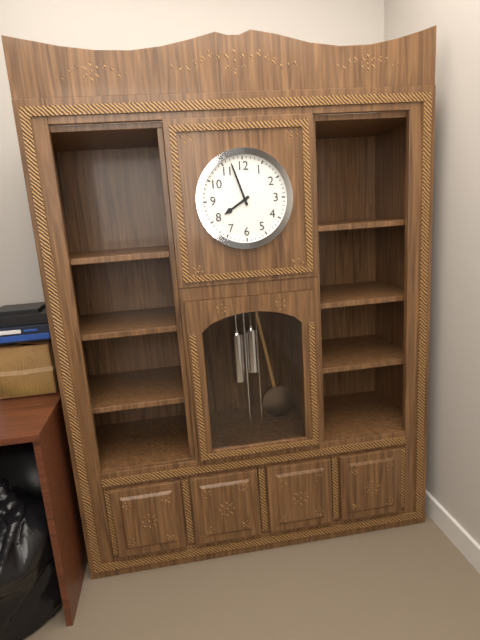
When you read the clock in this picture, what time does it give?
7:57
